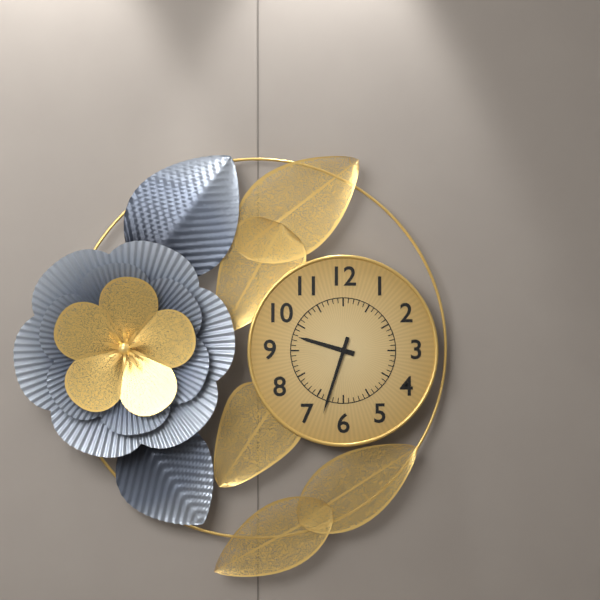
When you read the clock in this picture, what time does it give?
9:33
